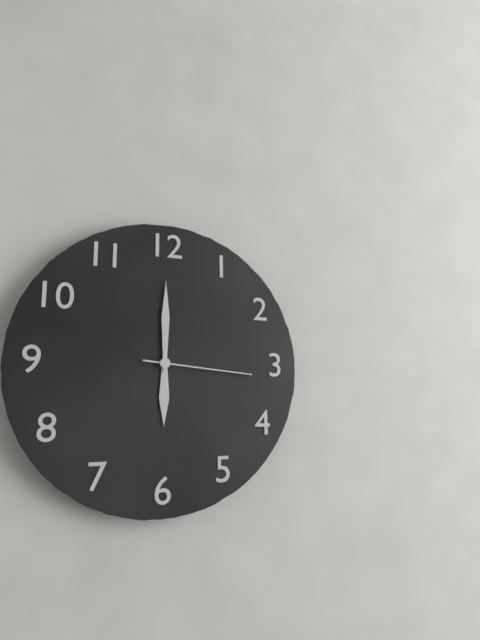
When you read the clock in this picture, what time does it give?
6:00:16
